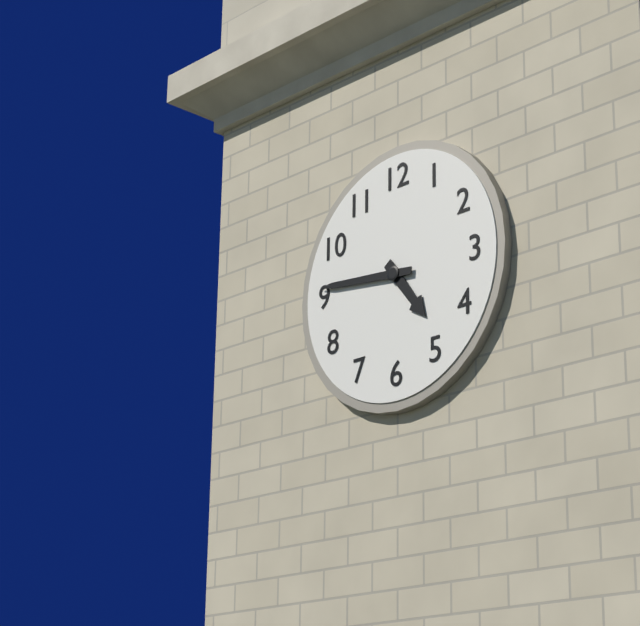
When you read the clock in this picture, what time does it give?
4:46
